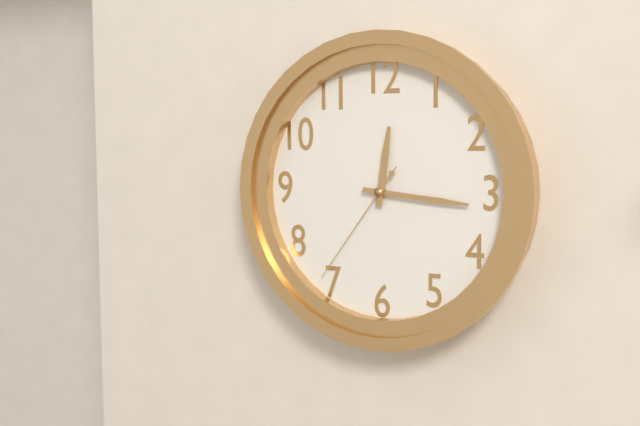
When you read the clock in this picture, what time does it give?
12:16:36
